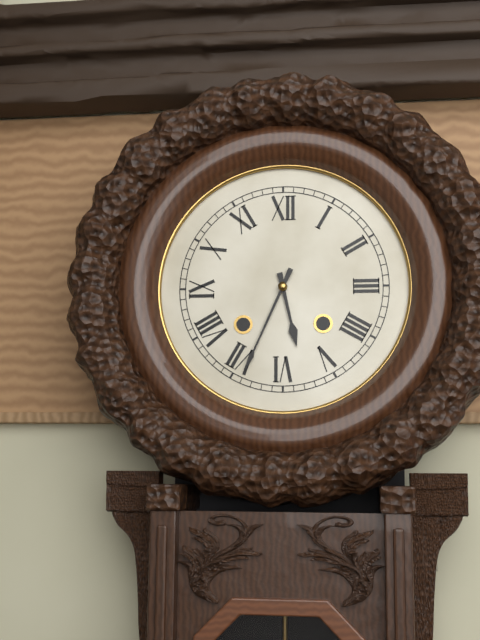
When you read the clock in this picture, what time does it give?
5:34
